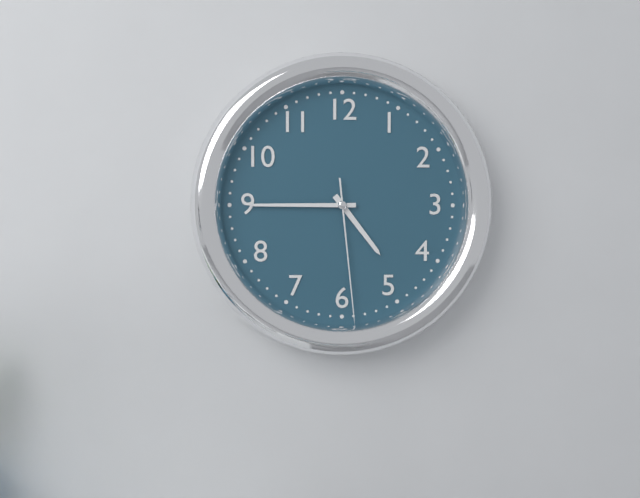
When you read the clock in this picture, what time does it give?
4:45:29
